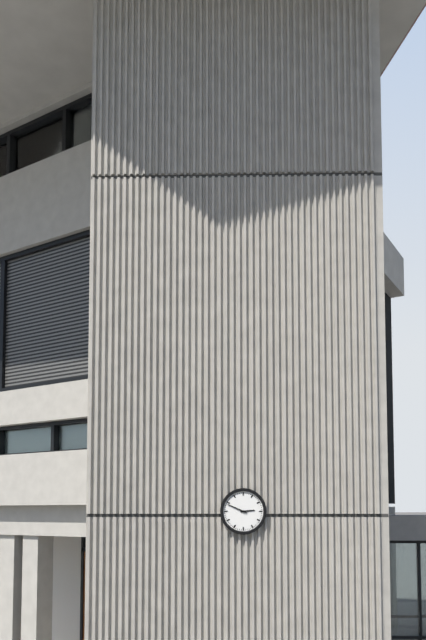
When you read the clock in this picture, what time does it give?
2:49
